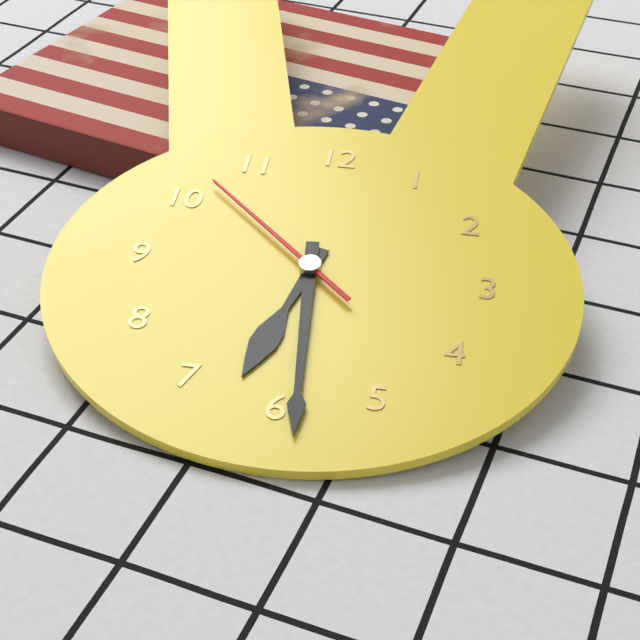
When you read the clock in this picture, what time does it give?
6:29:52
